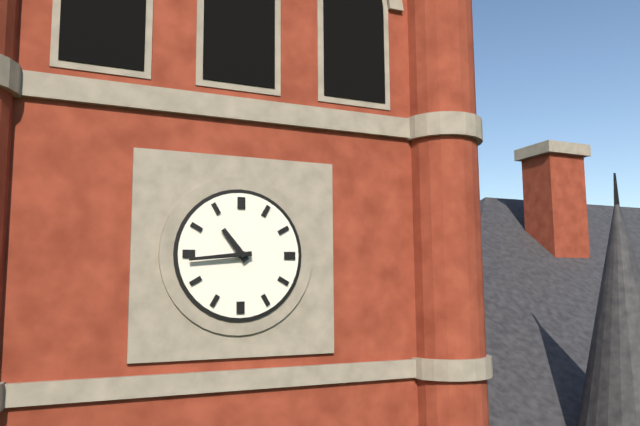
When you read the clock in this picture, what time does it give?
10:44
